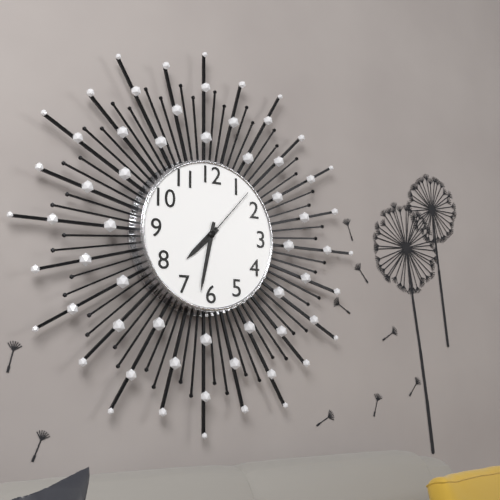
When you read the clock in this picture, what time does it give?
7:32:07
